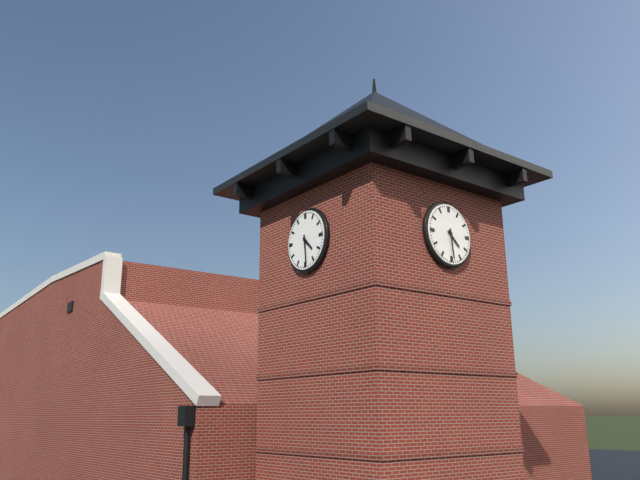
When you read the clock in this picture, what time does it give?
4:29
